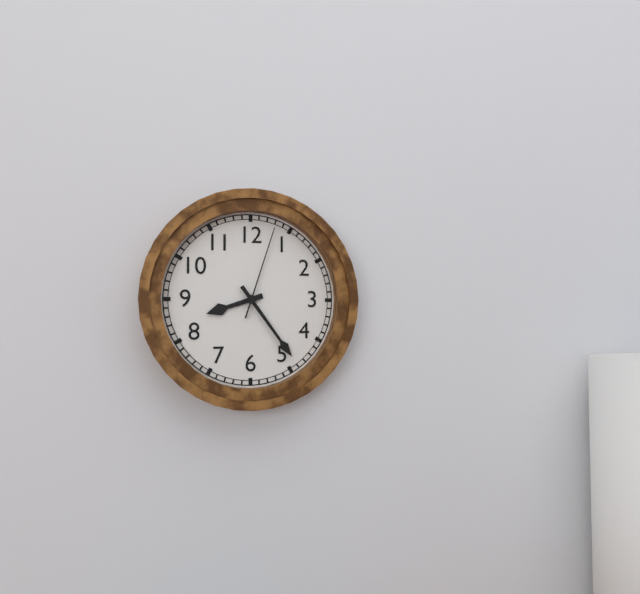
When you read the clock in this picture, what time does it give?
8:24:03
